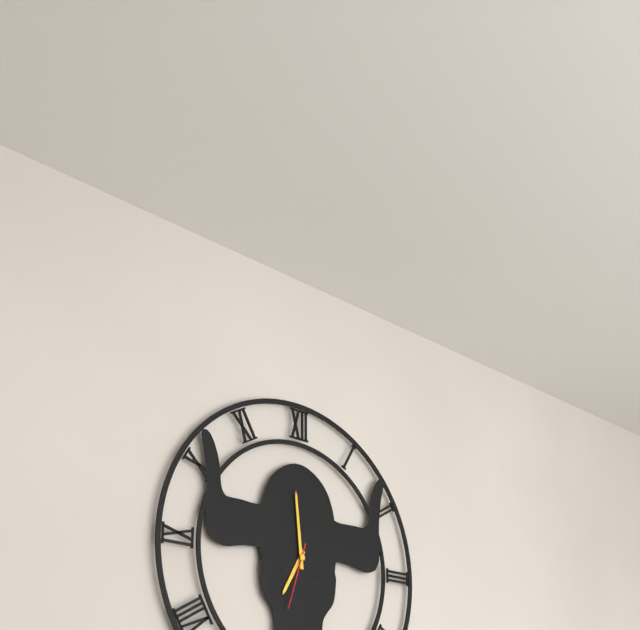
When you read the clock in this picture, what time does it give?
6:59:33
